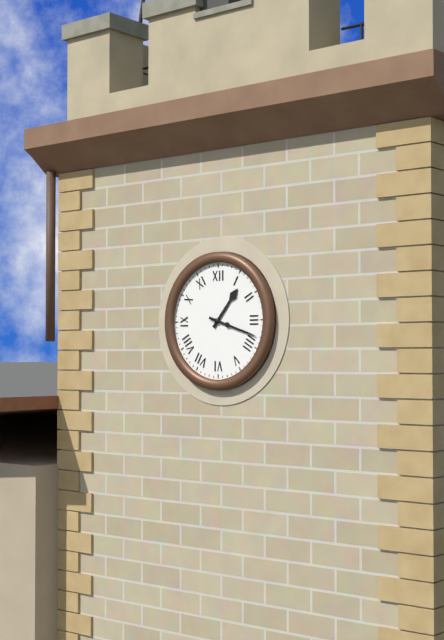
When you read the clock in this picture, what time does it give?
1:18
